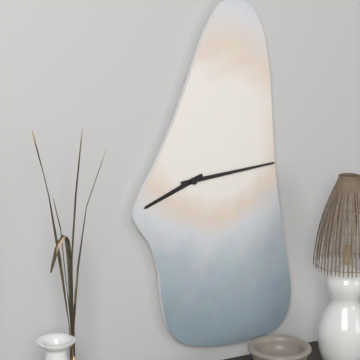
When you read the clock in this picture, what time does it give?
8:14
